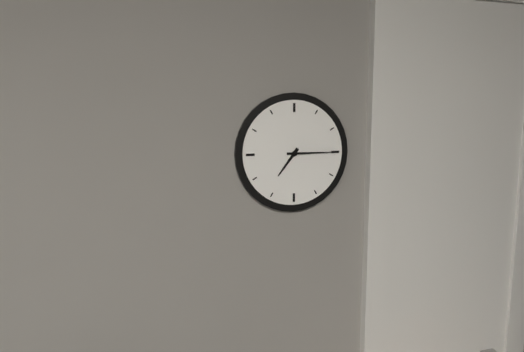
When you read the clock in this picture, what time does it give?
7:15
